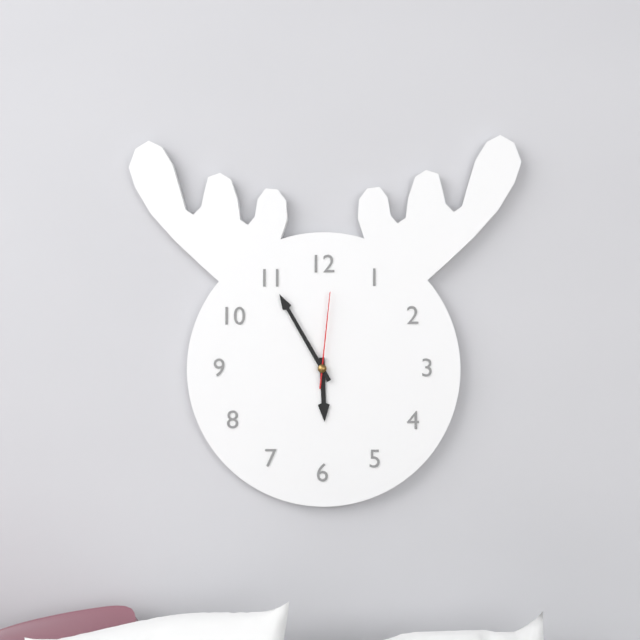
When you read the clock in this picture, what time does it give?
5:55:01
